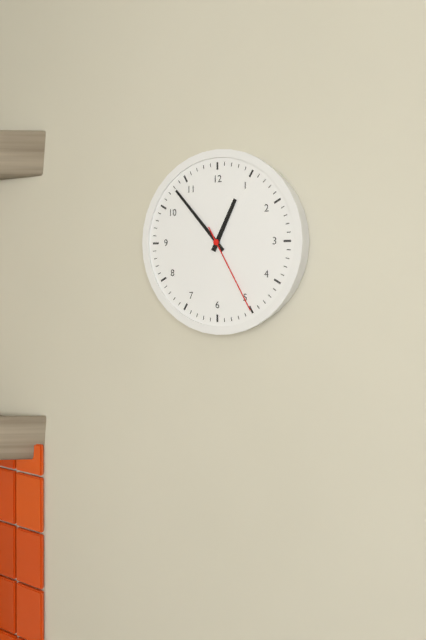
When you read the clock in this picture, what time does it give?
12:53:25
